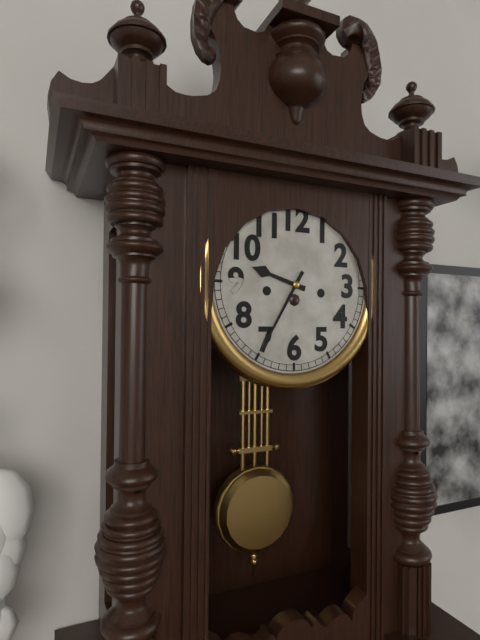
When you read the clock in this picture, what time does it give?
9:35
